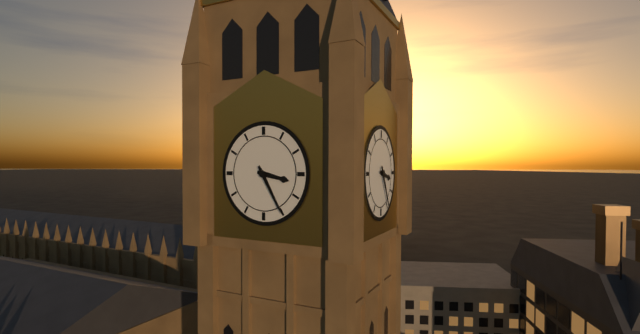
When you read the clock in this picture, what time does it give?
3:25
